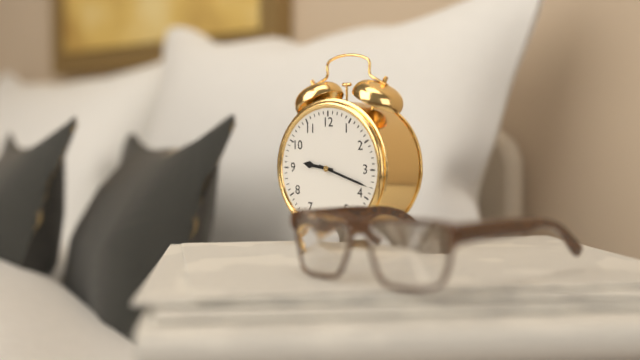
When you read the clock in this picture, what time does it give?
9:18
